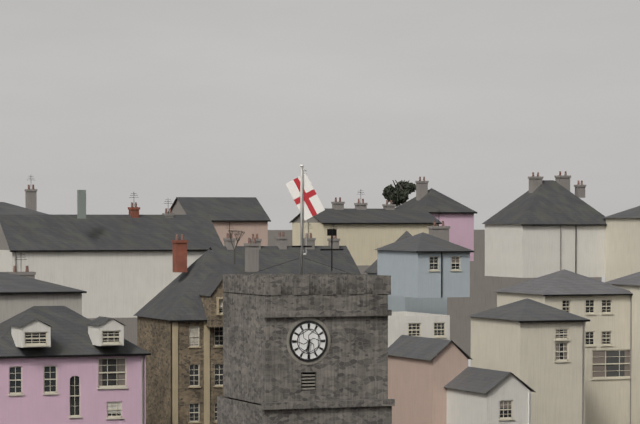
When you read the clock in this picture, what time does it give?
6:31
